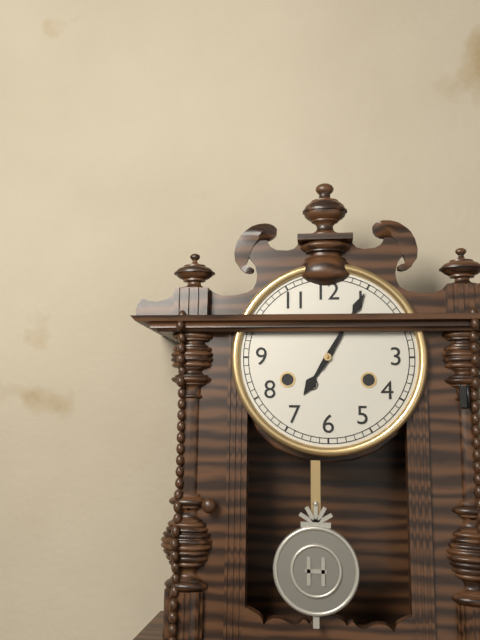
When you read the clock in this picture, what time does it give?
7:05
